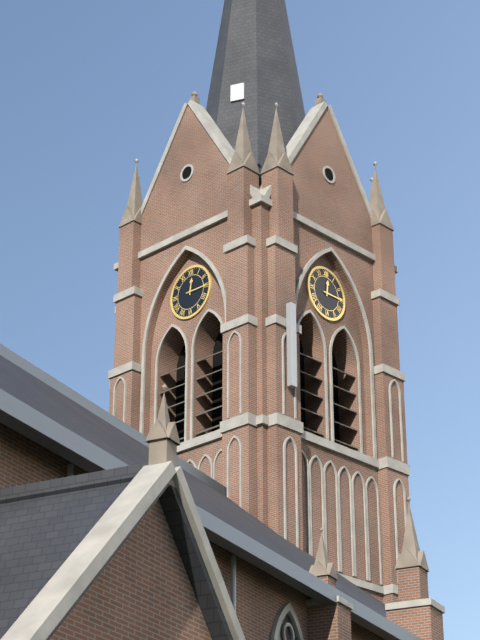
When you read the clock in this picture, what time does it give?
12:15
